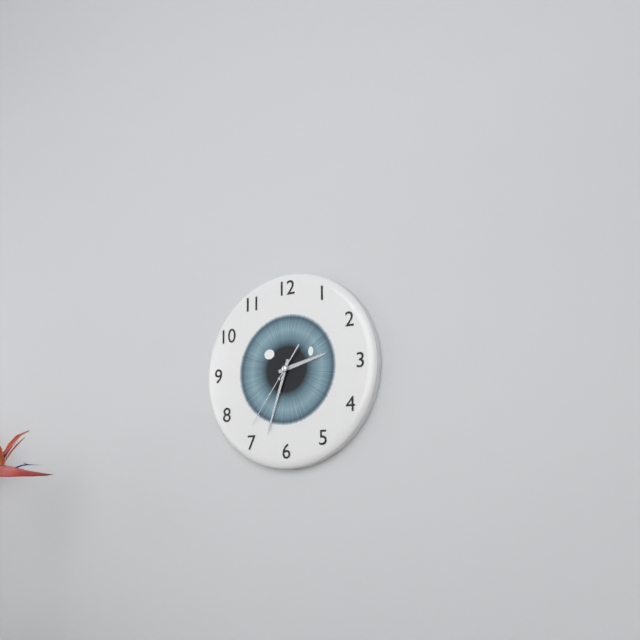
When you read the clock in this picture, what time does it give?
2:33:36
